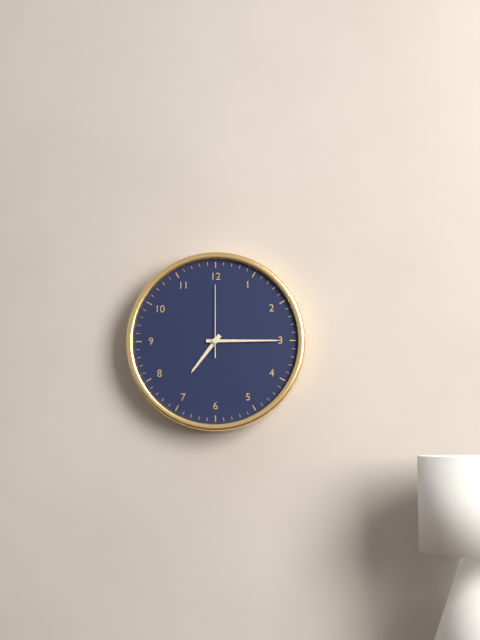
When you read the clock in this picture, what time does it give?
7:15:00
